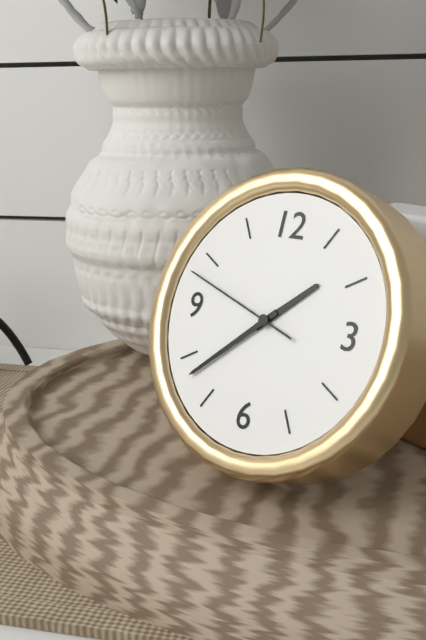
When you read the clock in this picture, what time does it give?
1:38:48
